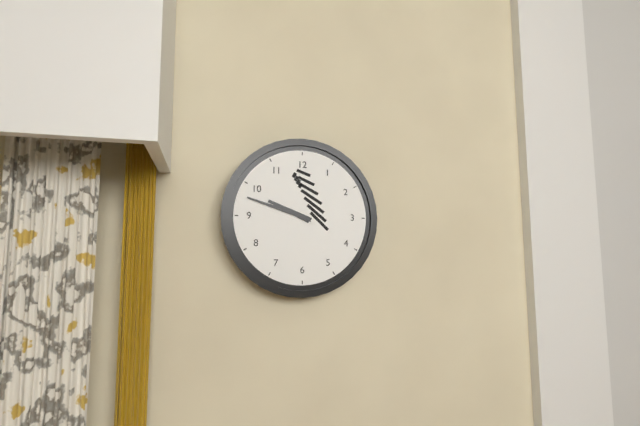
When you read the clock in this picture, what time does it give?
9:48
